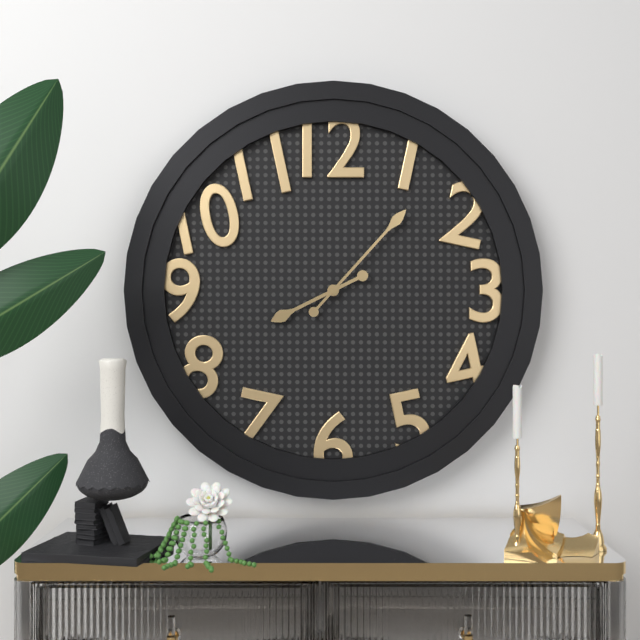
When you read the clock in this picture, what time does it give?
8:07
